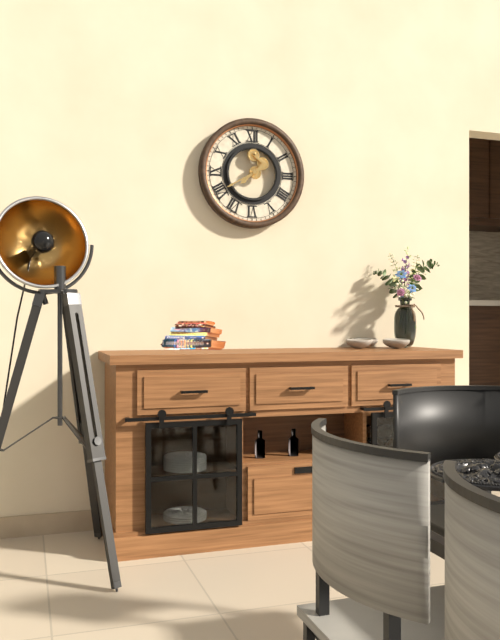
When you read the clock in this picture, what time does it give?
7:40
